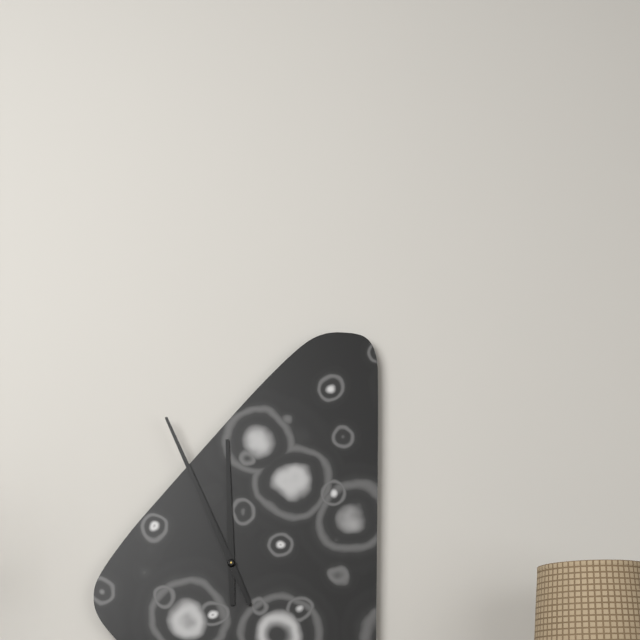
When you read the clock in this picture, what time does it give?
11:56
